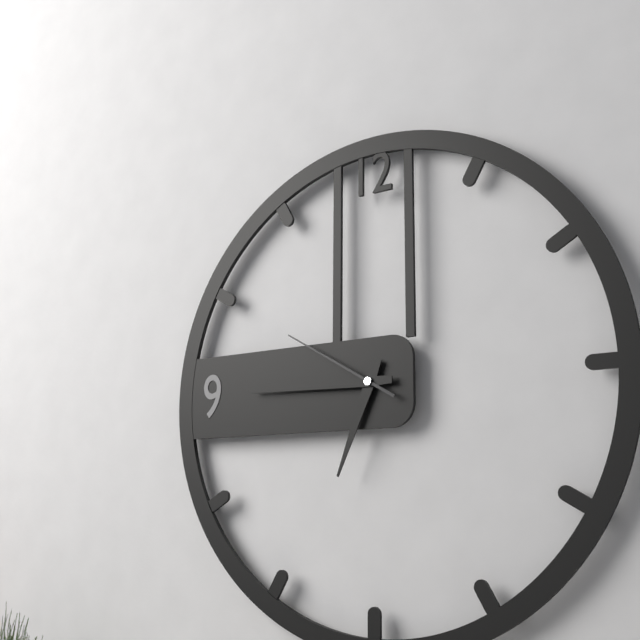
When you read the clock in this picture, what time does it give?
6:45:50
